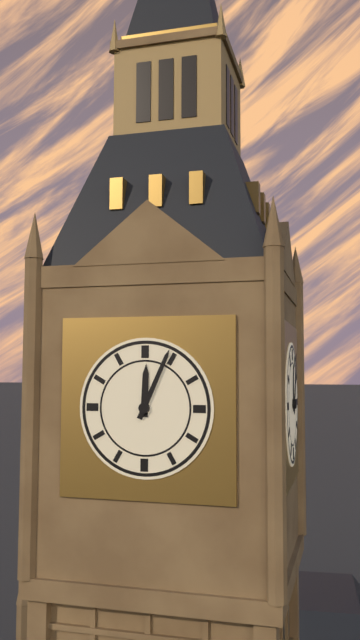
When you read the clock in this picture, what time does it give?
12:04
